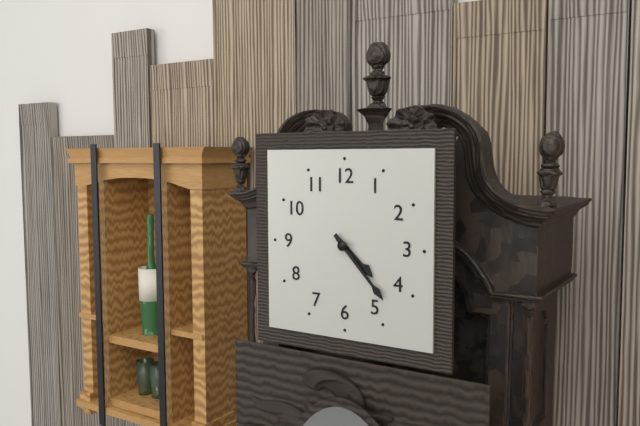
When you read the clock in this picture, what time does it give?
4:23
